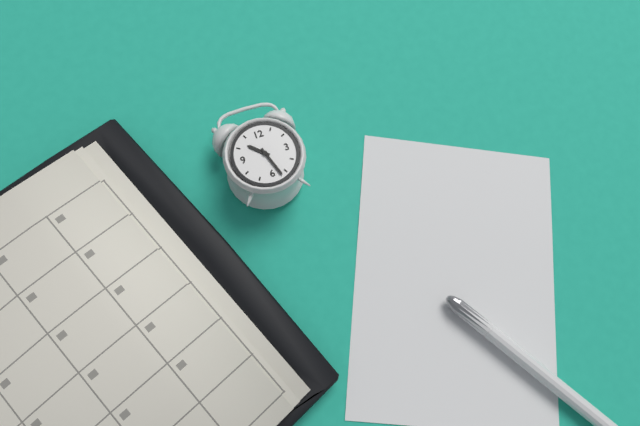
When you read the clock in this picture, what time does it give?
10:27
